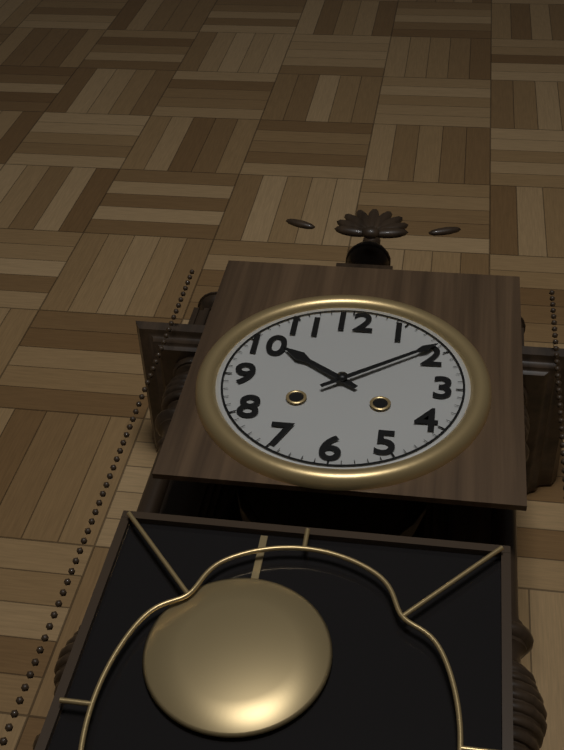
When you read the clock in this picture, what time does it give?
10:09
